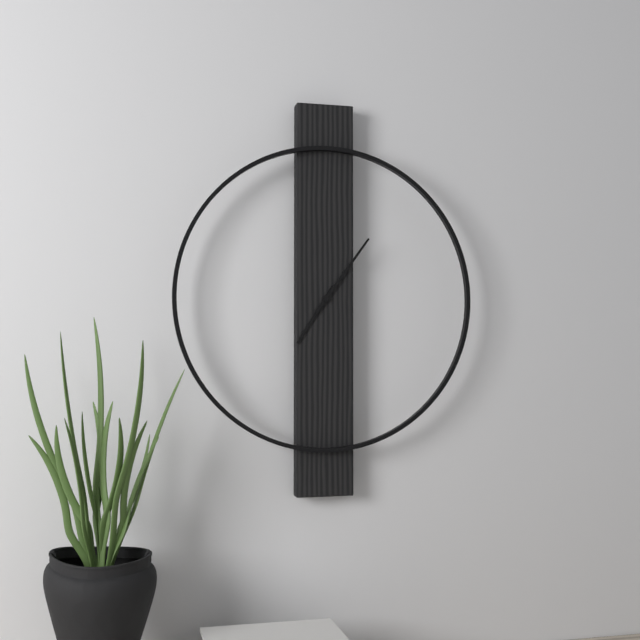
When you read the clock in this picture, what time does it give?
7:06
